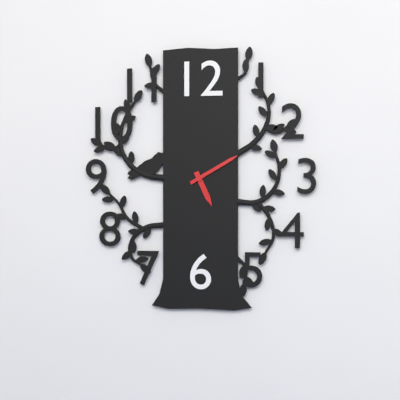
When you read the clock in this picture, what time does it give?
5:10
